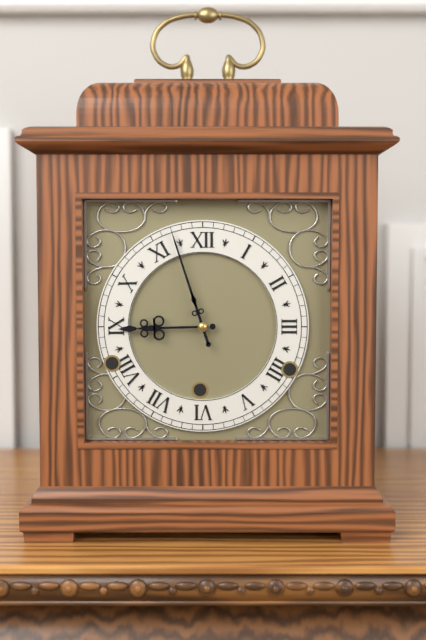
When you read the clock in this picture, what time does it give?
8:57
